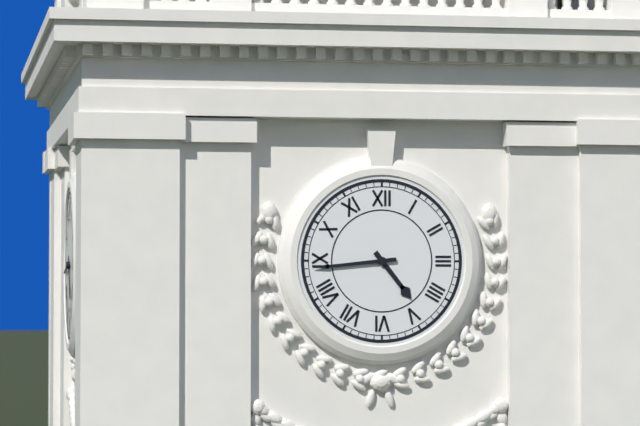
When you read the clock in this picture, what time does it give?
4:44
